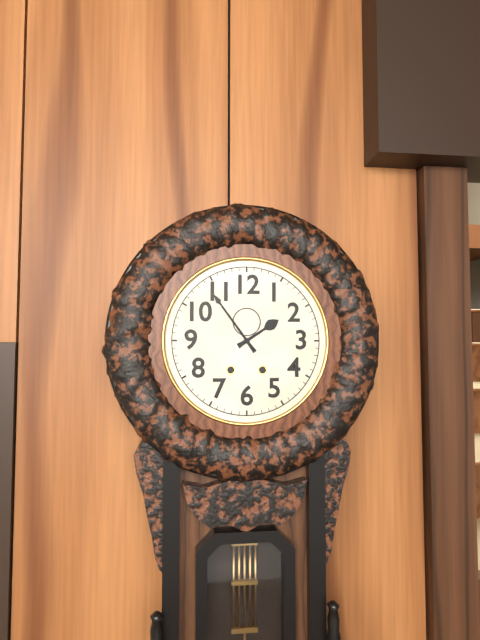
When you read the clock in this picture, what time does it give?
1:54
